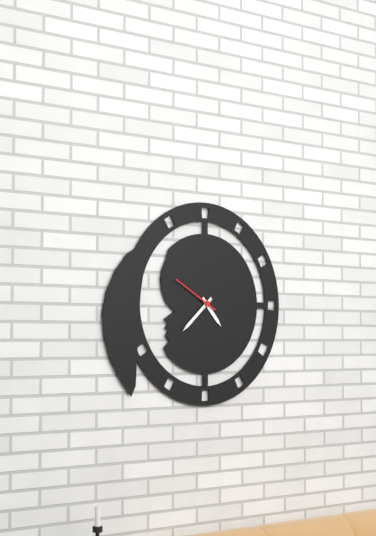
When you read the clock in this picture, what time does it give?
4:38
